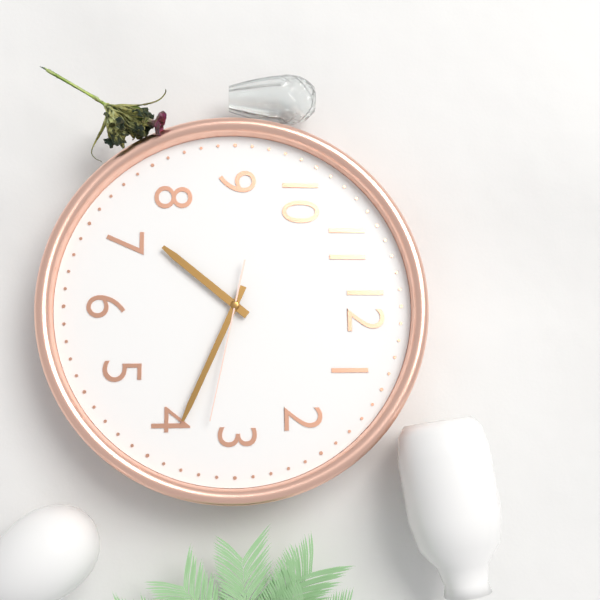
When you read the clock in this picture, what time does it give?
7:19:17
